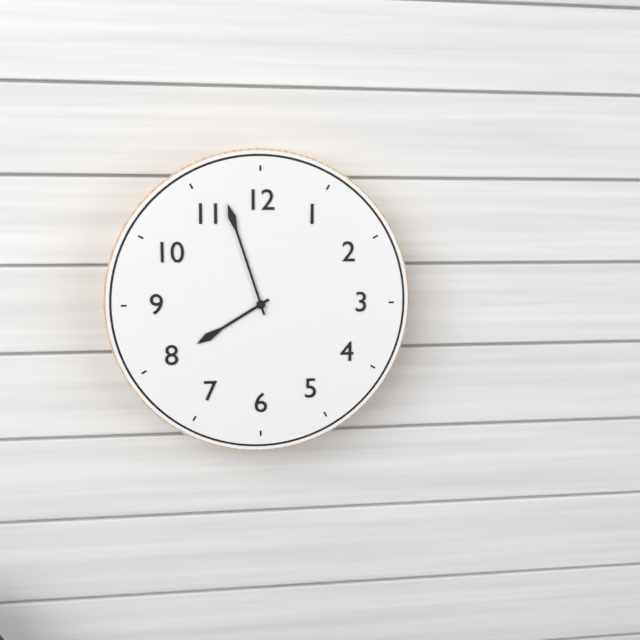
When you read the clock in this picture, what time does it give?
7:57
